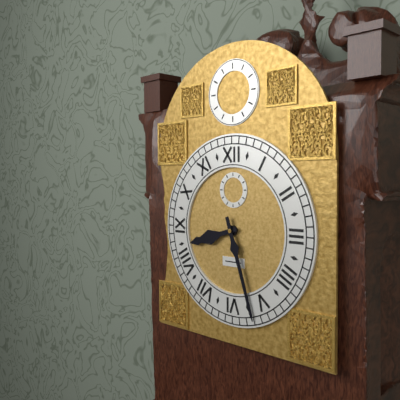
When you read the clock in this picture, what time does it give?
8:27
